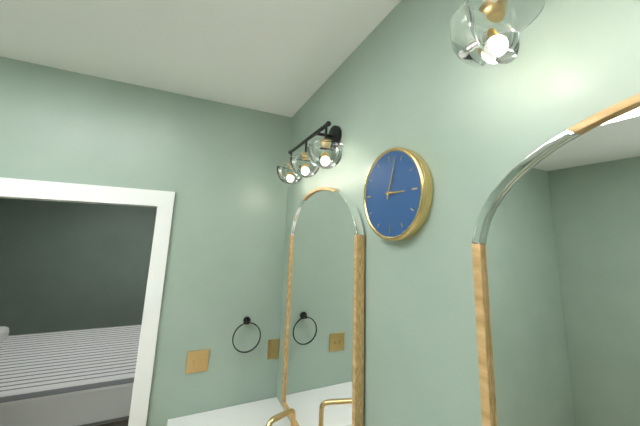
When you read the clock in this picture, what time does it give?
3:03
